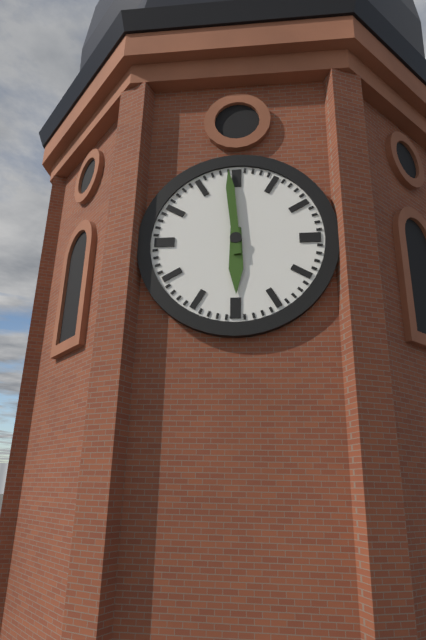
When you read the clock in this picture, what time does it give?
5:59
